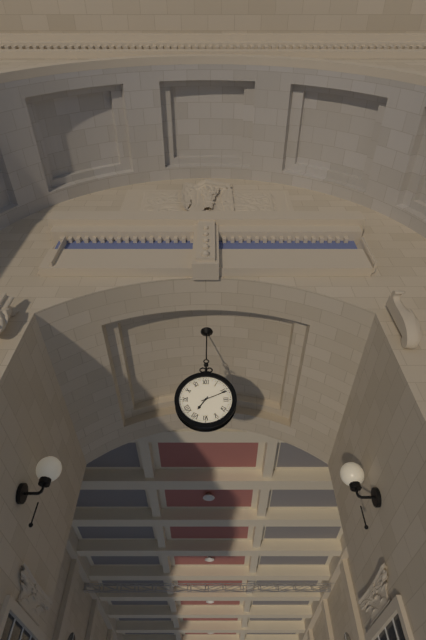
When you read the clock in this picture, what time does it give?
7:11
